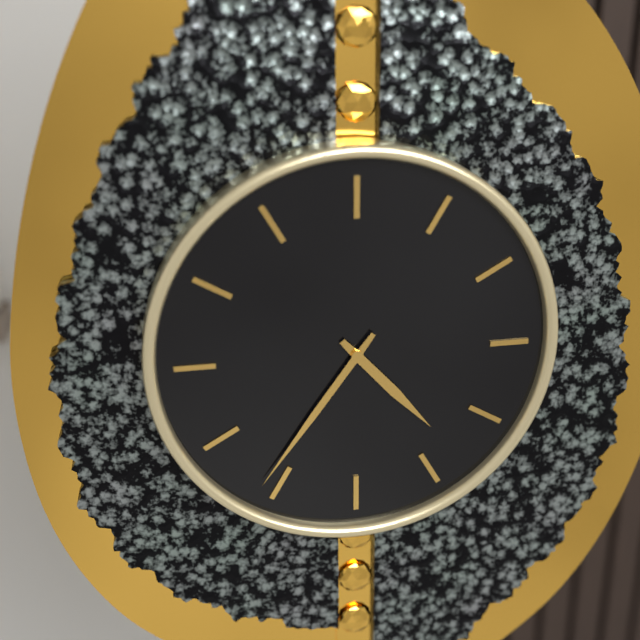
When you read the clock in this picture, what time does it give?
4:36
